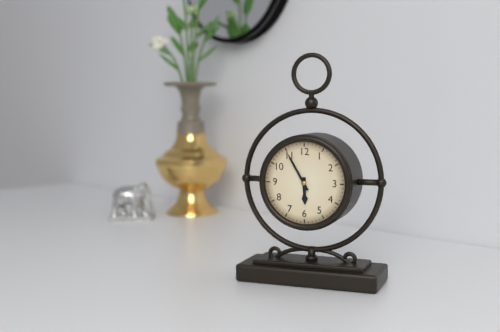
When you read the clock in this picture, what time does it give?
5:55
